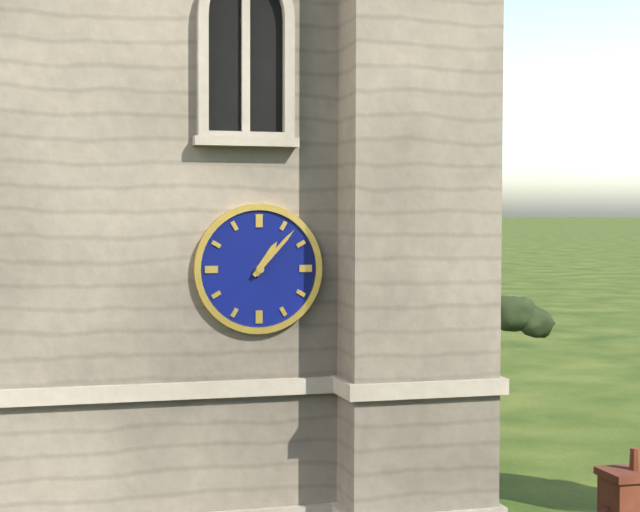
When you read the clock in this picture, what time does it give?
1:07
